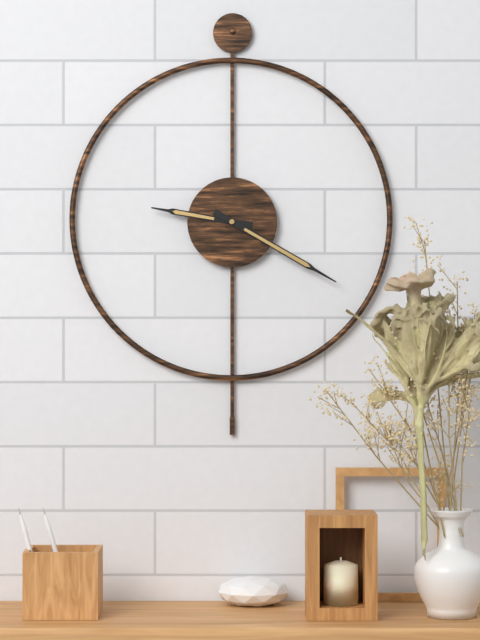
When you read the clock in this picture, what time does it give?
9:20
